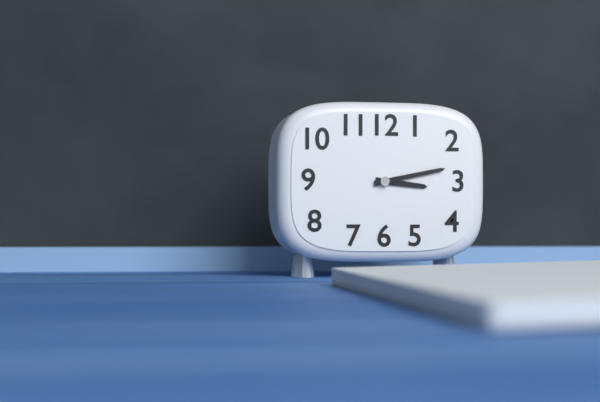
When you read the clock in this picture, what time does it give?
3:13
